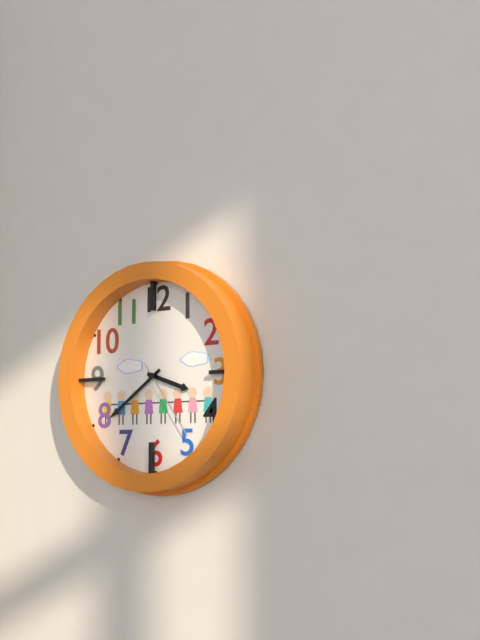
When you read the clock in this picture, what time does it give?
3:39:24
